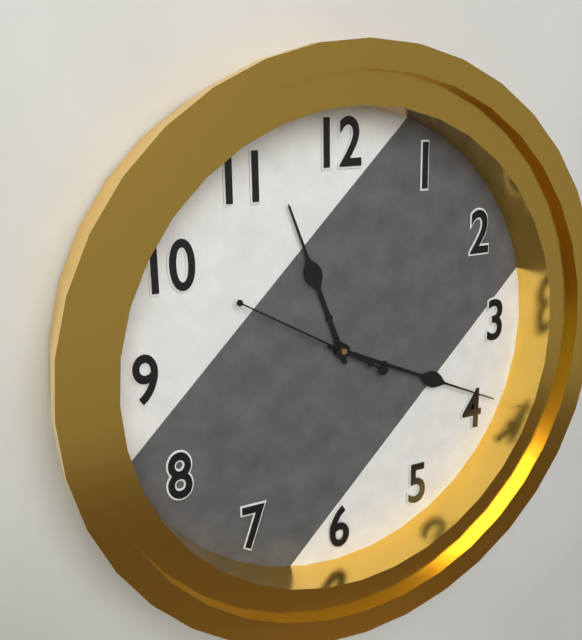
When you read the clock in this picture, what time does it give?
11:19:50
